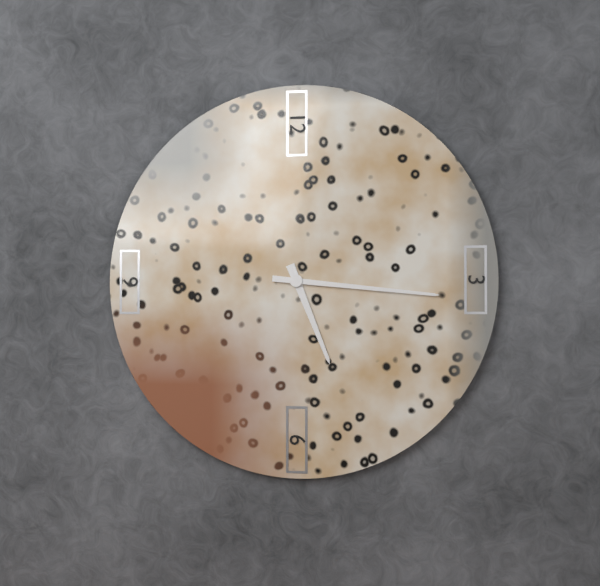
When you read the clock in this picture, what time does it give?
5:16
